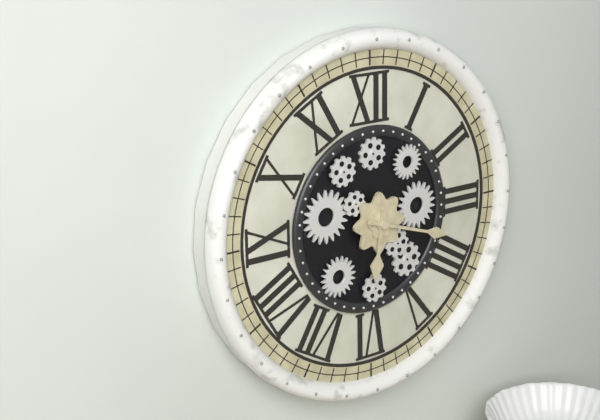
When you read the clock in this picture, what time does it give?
6:18
